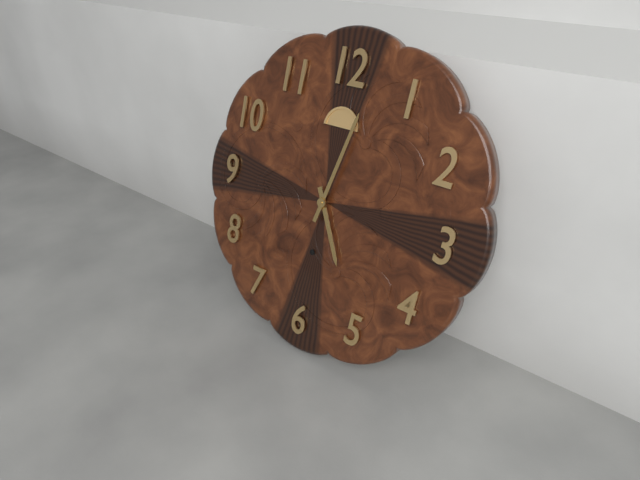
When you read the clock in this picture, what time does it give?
5:02
